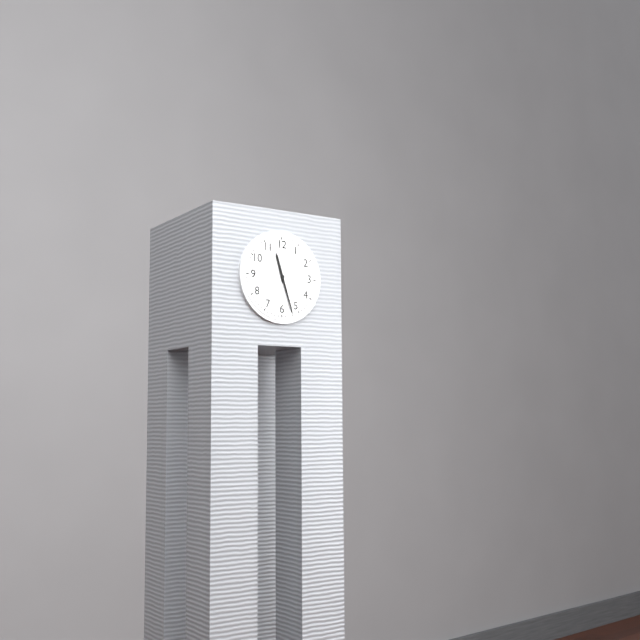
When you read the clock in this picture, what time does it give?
11:27
